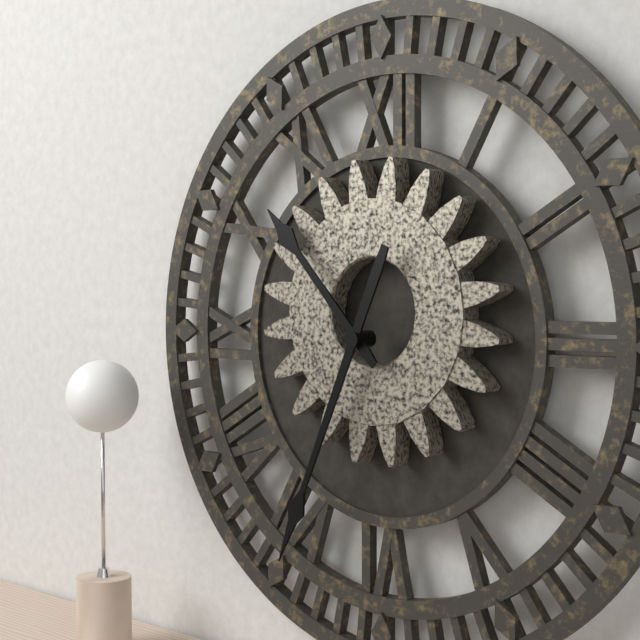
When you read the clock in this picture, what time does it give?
10:34
